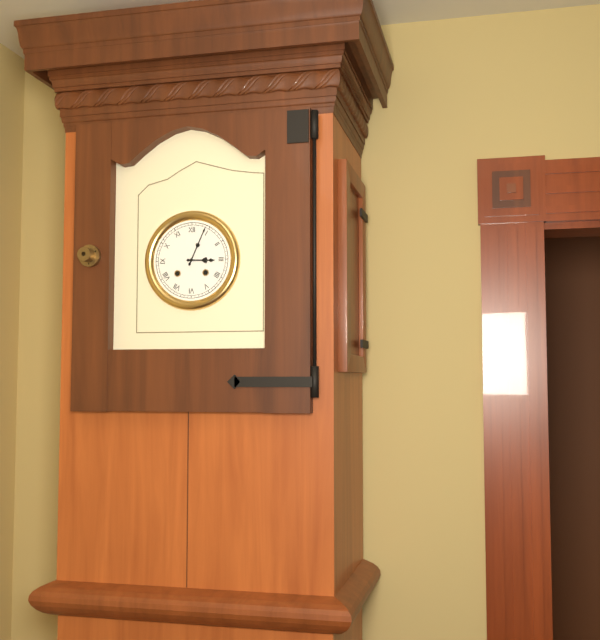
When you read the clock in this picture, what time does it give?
3:04
